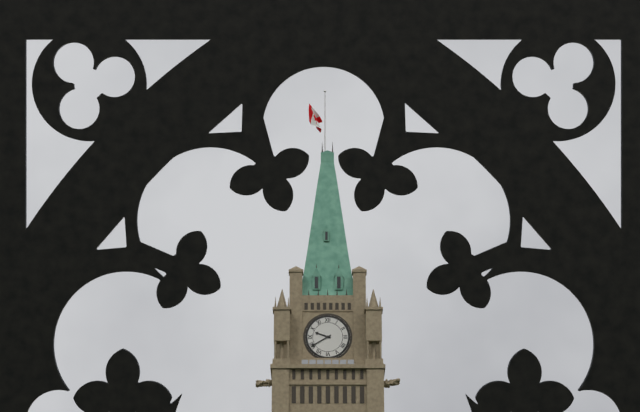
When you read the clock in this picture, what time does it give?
9:40
